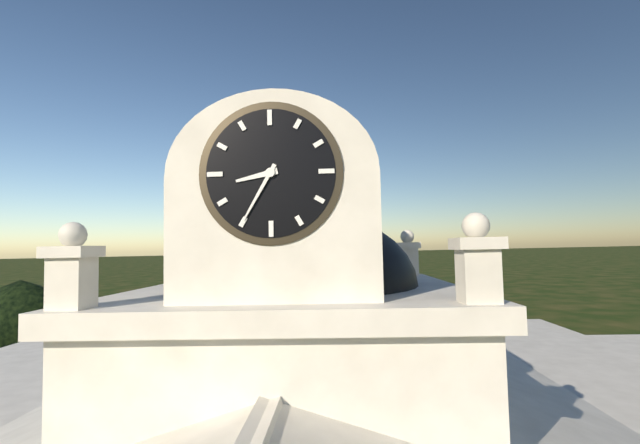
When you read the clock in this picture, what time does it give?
8:35
